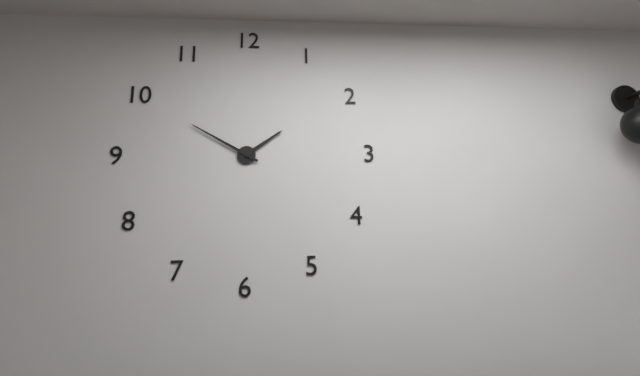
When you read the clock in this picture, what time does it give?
1:50
